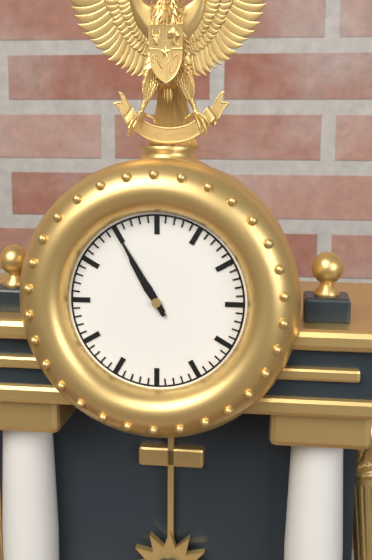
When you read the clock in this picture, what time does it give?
10:55
